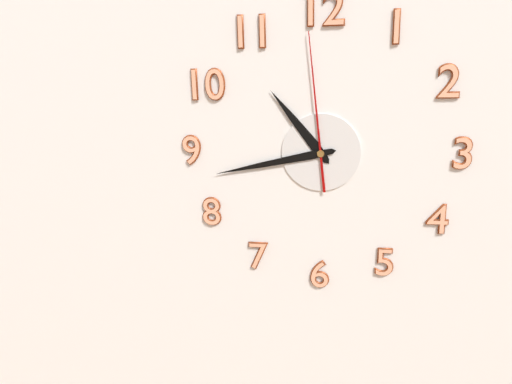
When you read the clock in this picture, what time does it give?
10:43:59
